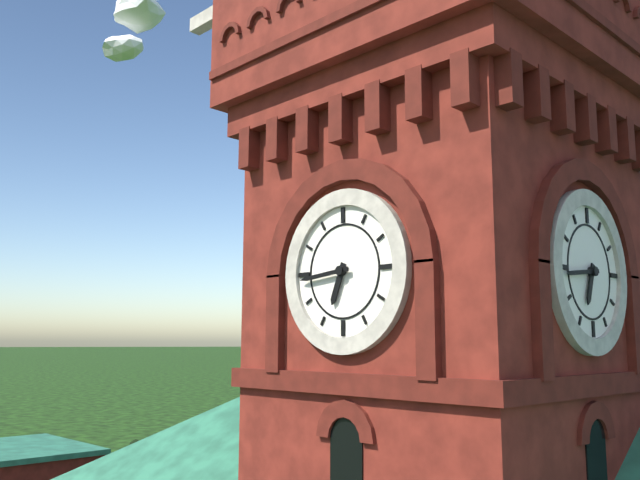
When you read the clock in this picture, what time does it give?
6:44
